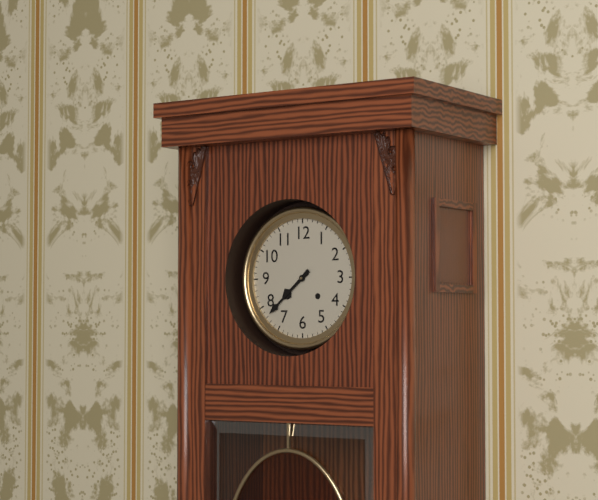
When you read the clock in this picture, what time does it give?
7:38
